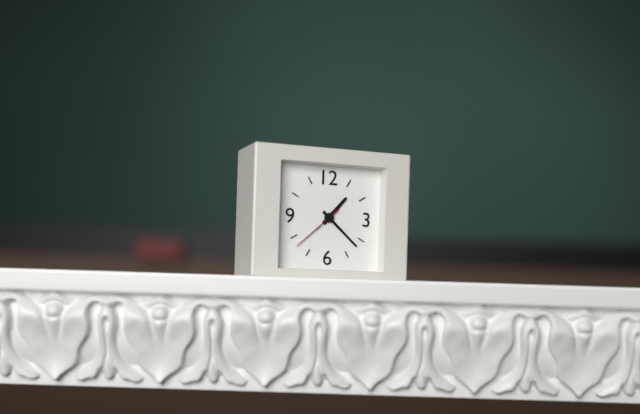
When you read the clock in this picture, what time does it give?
1:22:38
